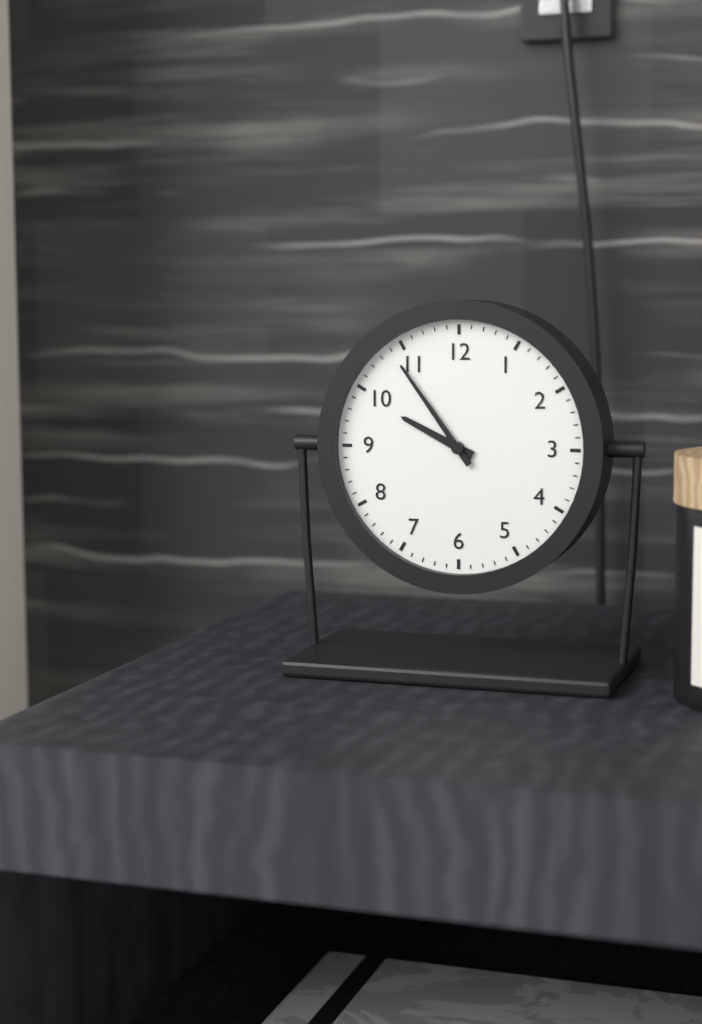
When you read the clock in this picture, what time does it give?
9:54
